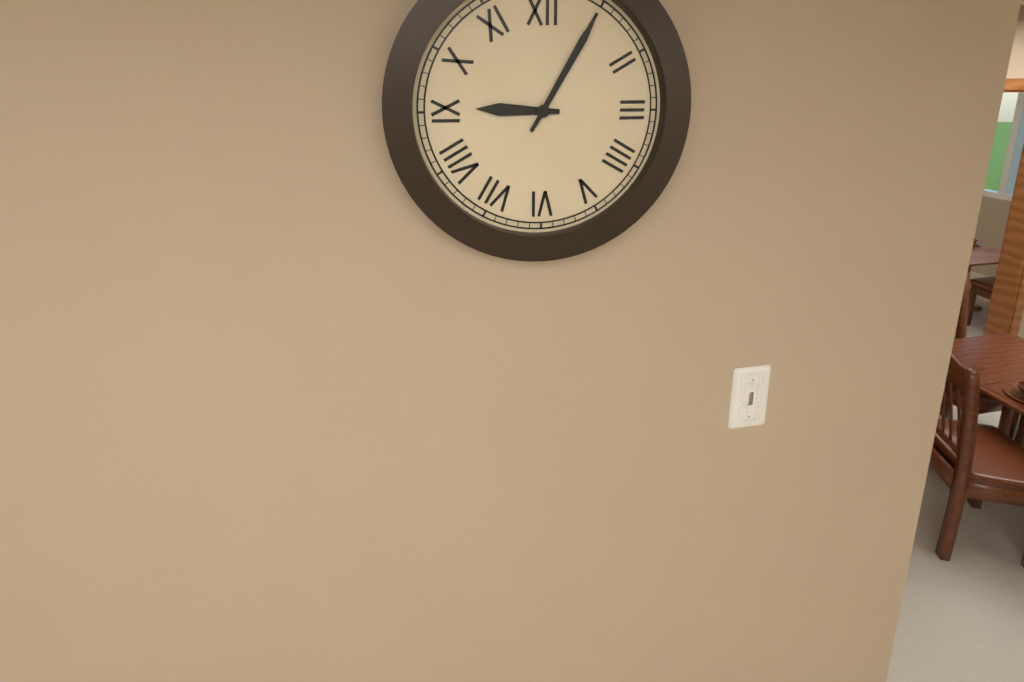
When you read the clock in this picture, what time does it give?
9:05
